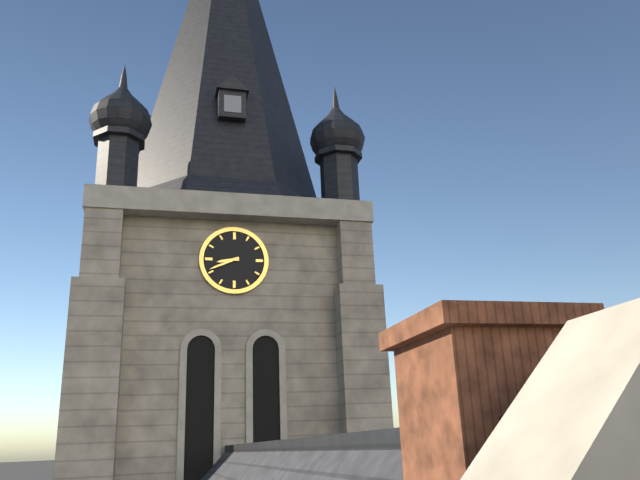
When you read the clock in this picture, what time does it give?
8:41
